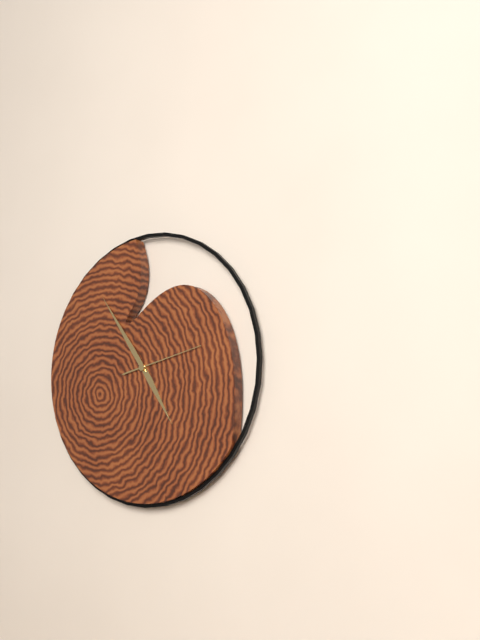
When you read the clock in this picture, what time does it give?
4:54:13
